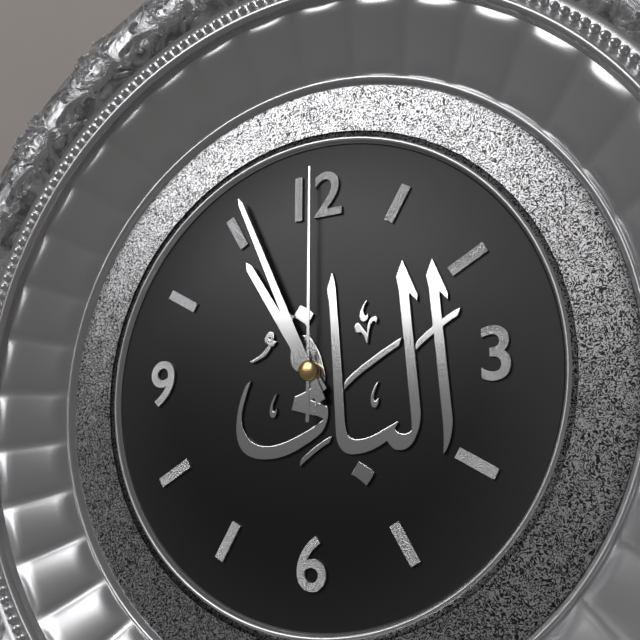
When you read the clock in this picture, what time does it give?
10:56:00
